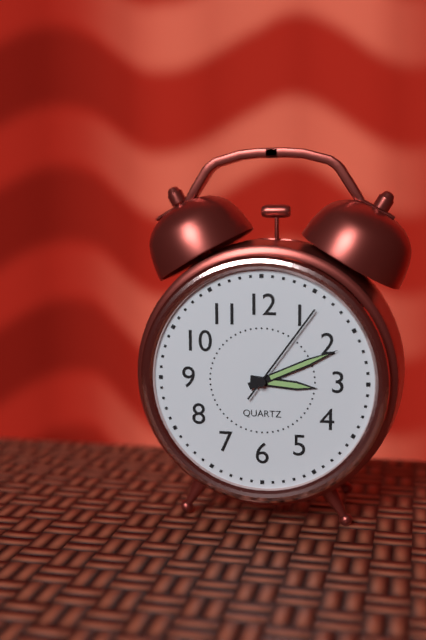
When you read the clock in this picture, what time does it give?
3:11:06
